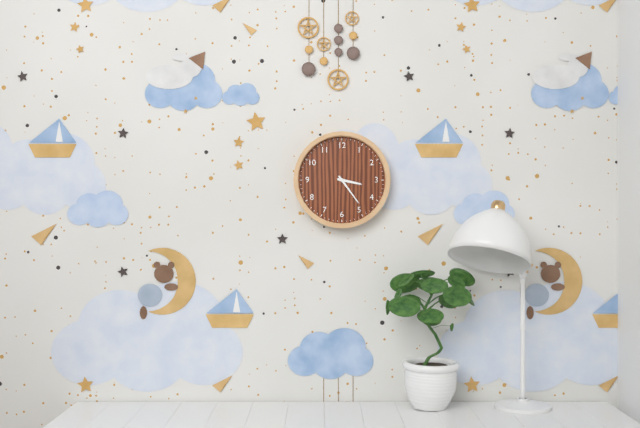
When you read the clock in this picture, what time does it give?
3:24
